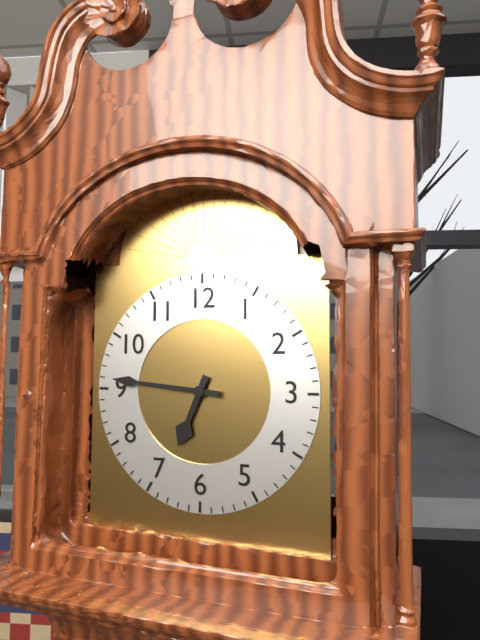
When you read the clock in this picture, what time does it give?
6:46
